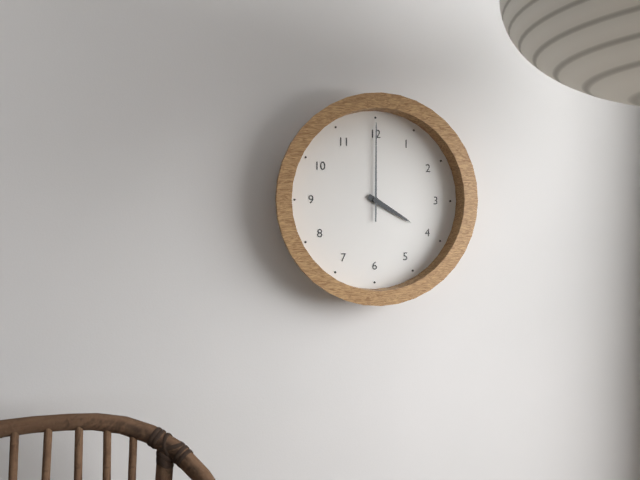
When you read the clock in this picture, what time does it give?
4:00
